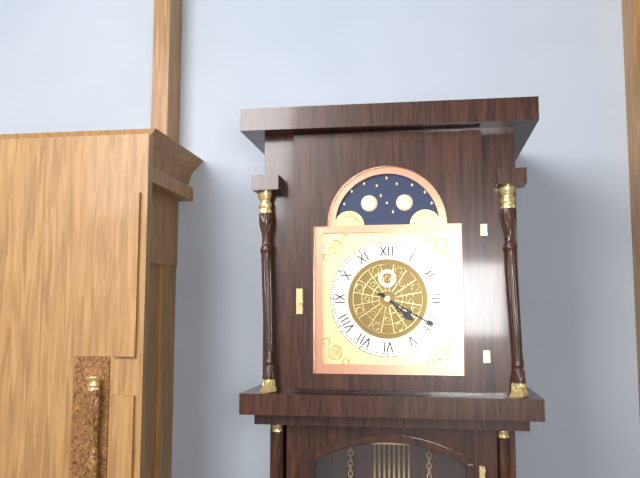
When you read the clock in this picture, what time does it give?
4:20
